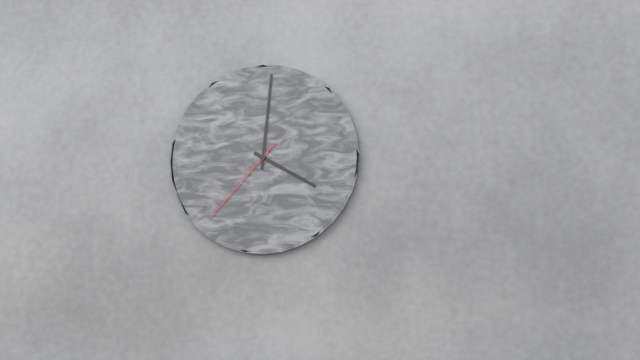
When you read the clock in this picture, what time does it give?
4:01:37
